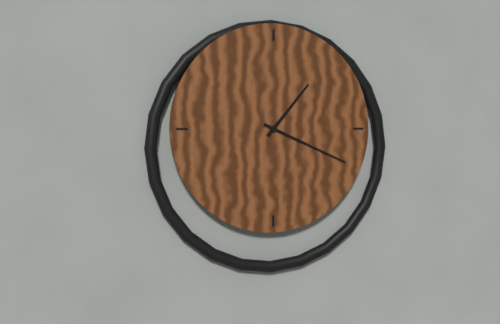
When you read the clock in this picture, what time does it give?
1:19
